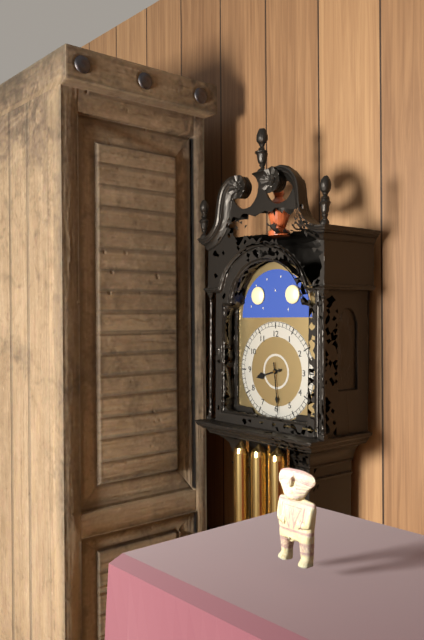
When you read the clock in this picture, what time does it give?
8:29
